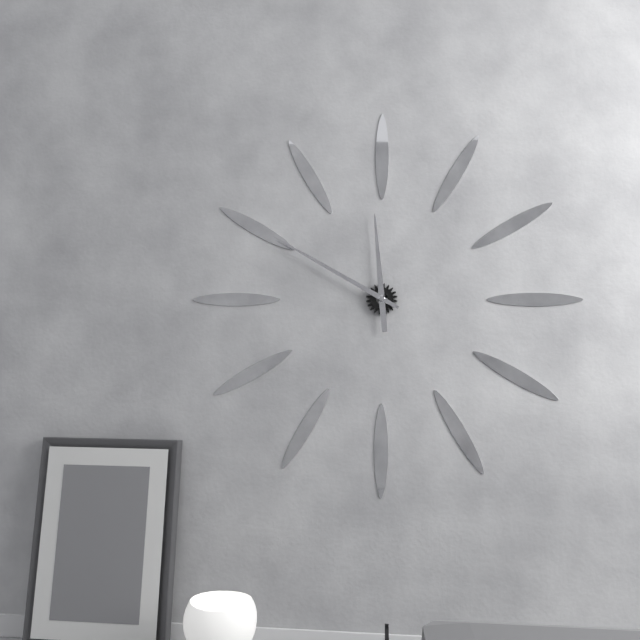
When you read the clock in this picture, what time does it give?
11:50
